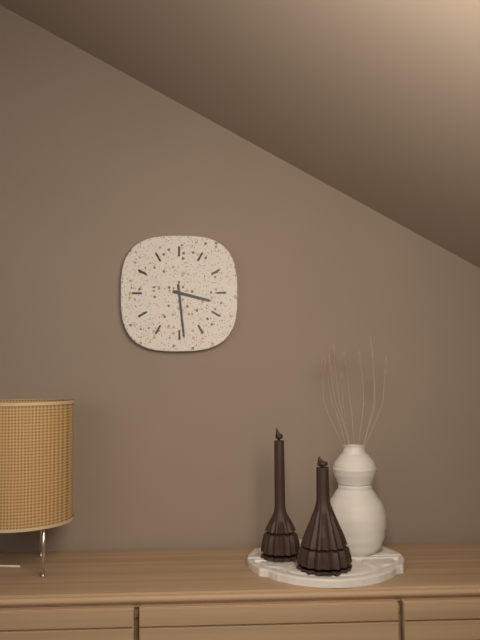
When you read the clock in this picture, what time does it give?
3:29
